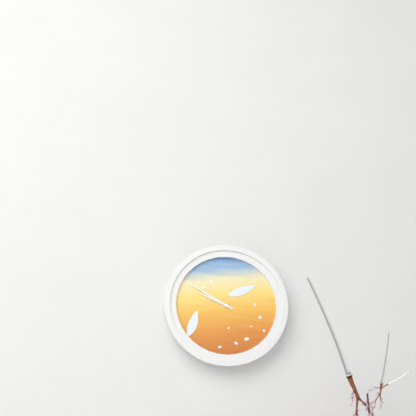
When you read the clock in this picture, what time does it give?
9:50
